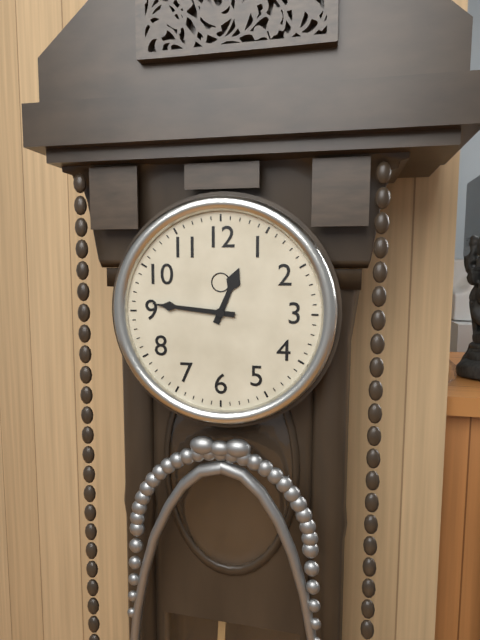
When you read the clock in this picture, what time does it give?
12:46
